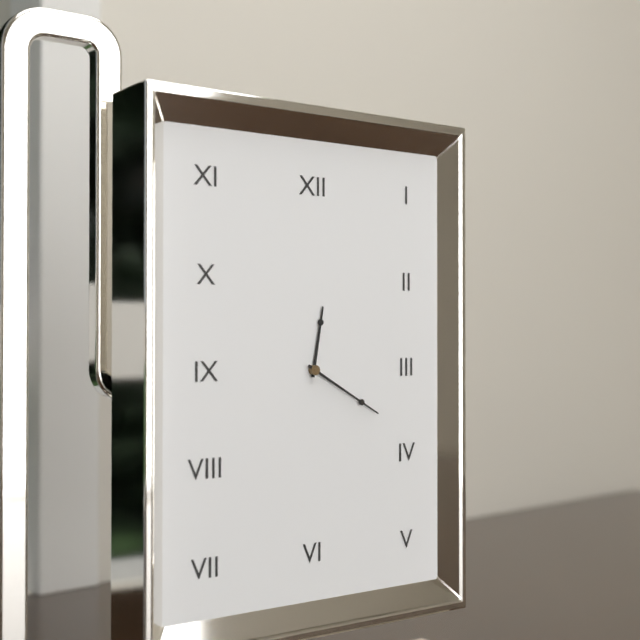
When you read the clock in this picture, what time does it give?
12:20
